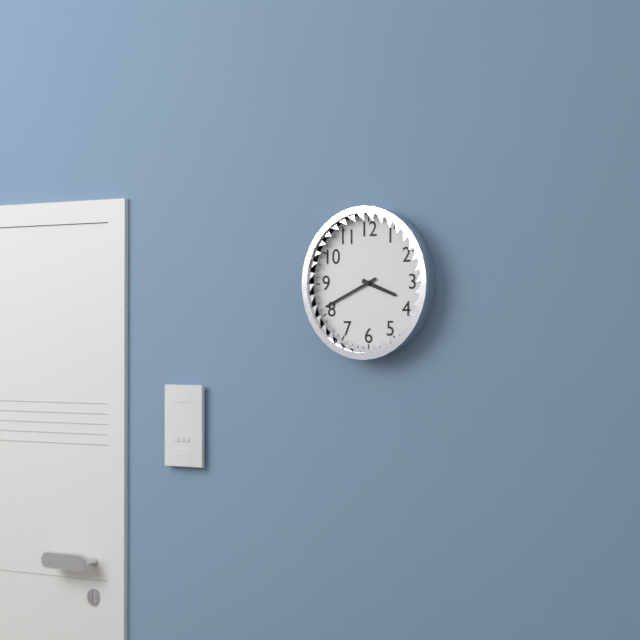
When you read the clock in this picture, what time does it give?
3:41
